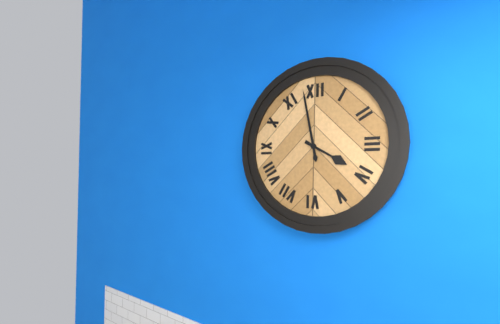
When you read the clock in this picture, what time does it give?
3:58
